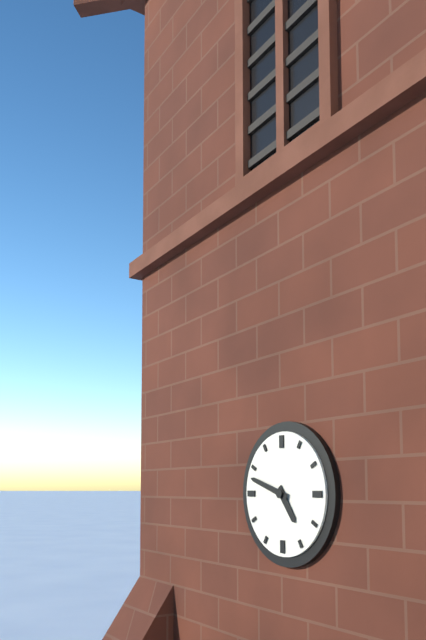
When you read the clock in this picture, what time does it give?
4:48
